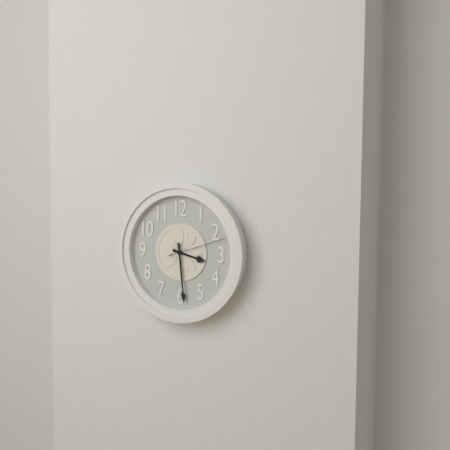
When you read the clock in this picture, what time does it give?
3:29:12
